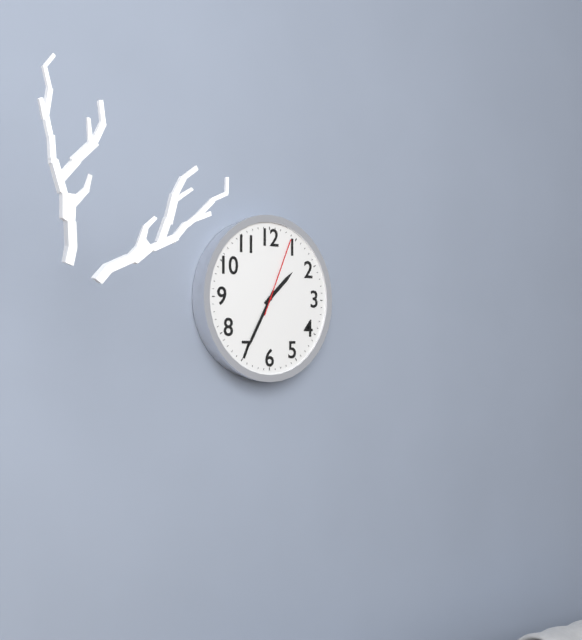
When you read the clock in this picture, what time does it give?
1:35:04
